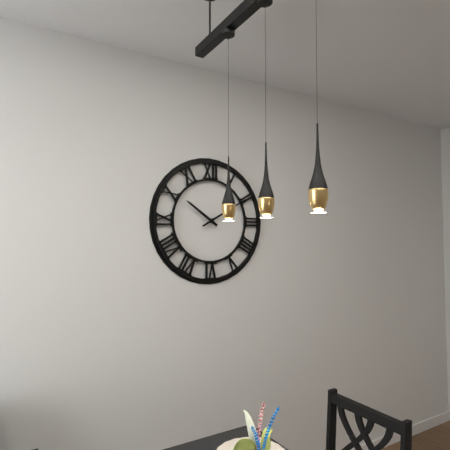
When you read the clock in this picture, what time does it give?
10:10
